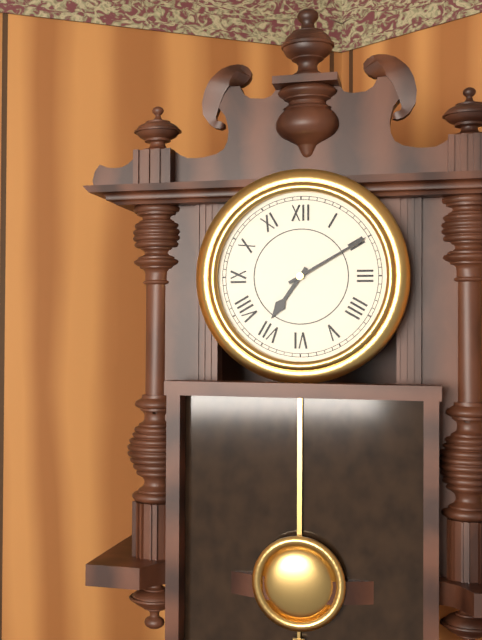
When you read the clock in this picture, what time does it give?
7:10
